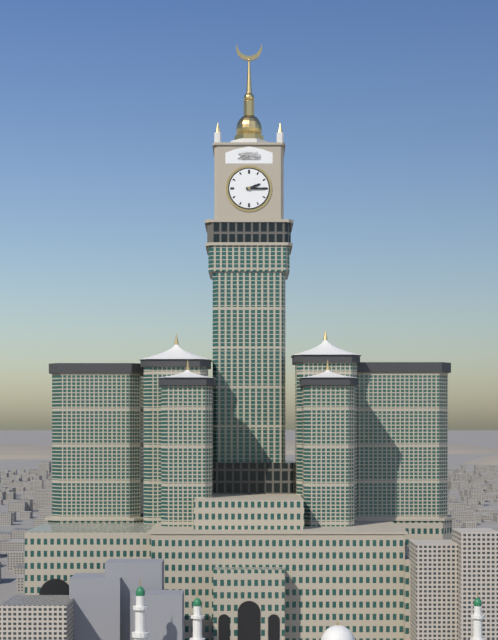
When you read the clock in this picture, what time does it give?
2:15
